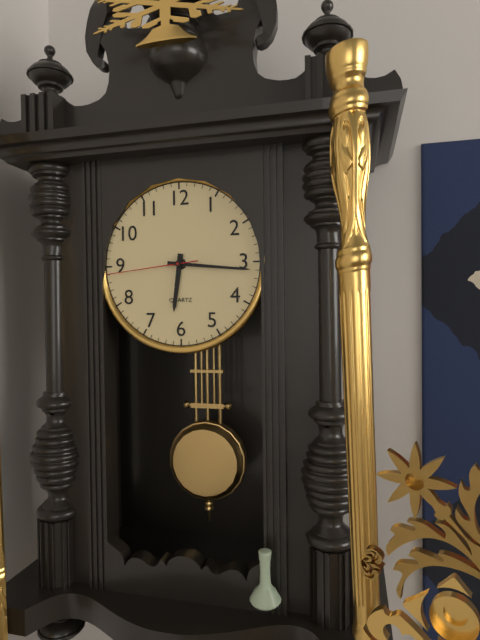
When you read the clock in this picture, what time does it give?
6:16:44
